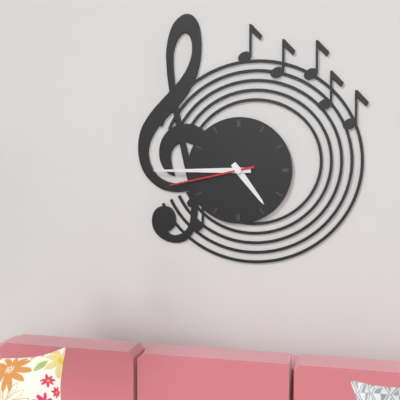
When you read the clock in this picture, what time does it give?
4:45:43
